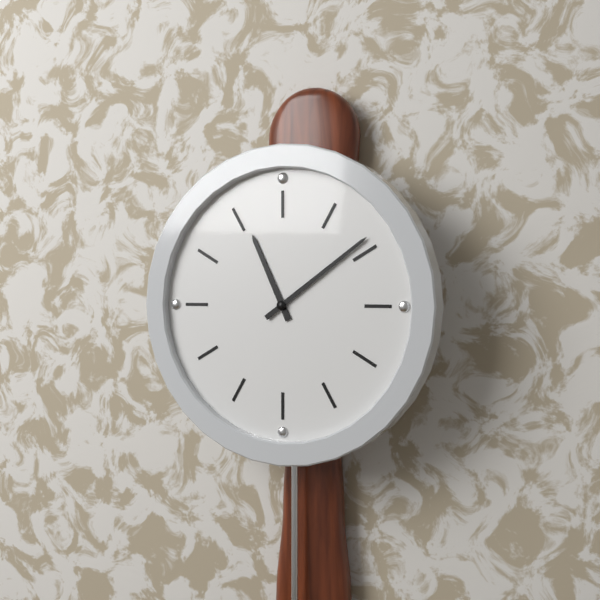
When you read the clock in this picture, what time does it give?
11:09
